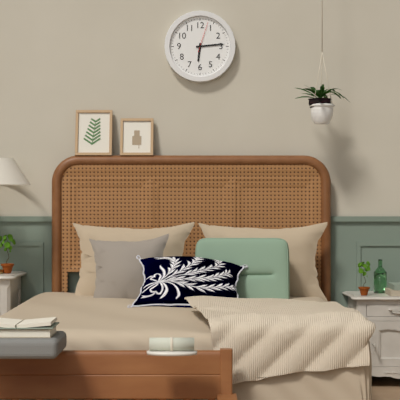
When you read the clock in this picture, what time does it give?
6:14
